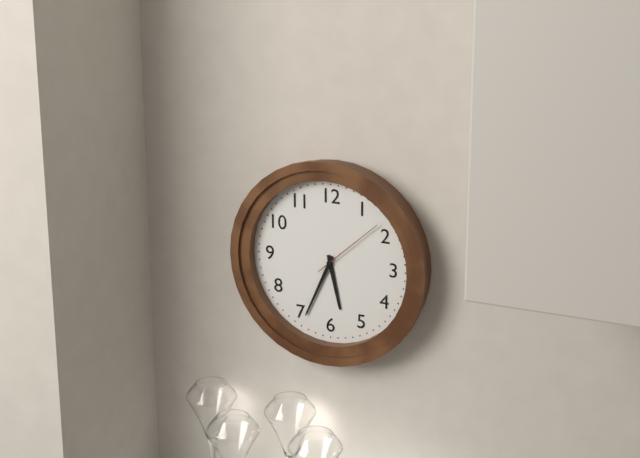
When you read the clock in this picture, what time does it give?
5:34:08
